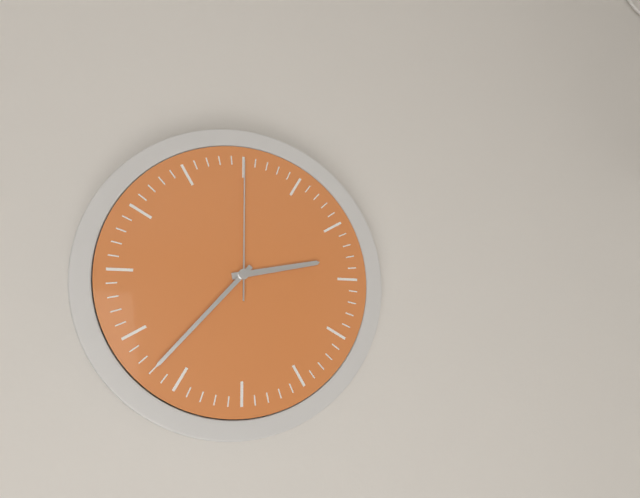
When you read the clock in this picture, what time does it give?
2:37:00
